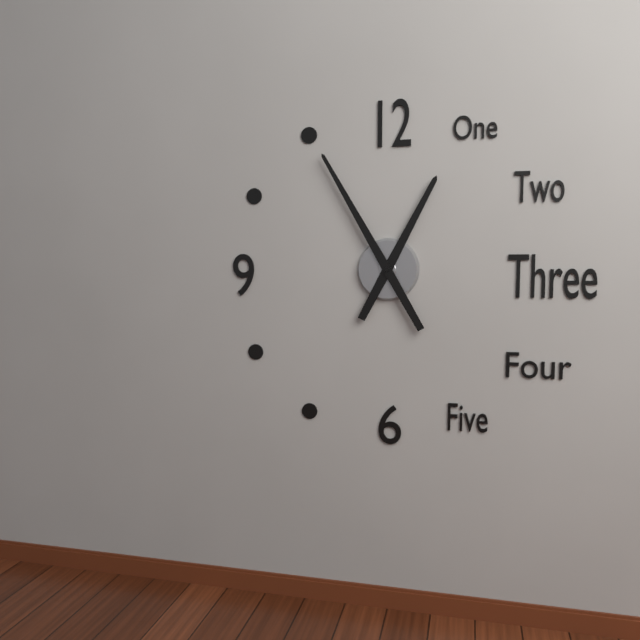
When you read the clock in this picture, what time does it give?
12:55
